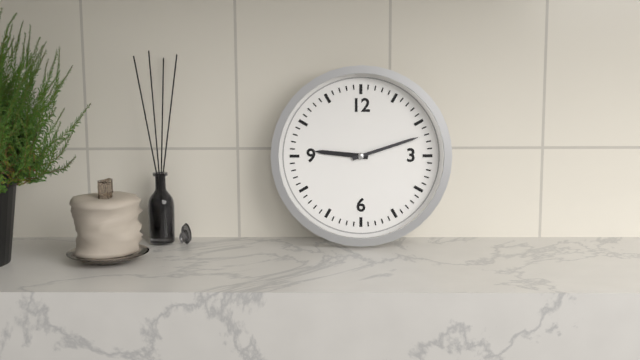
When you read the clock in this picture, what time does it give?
9:12
